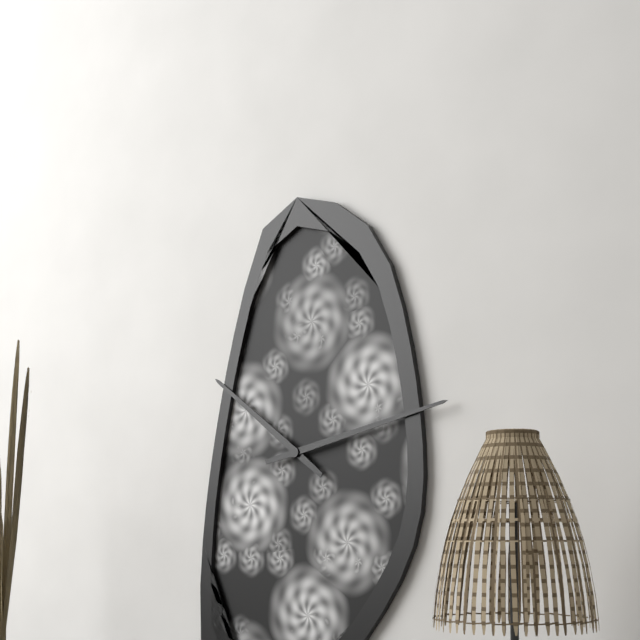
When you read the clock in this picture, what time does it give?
10:13
